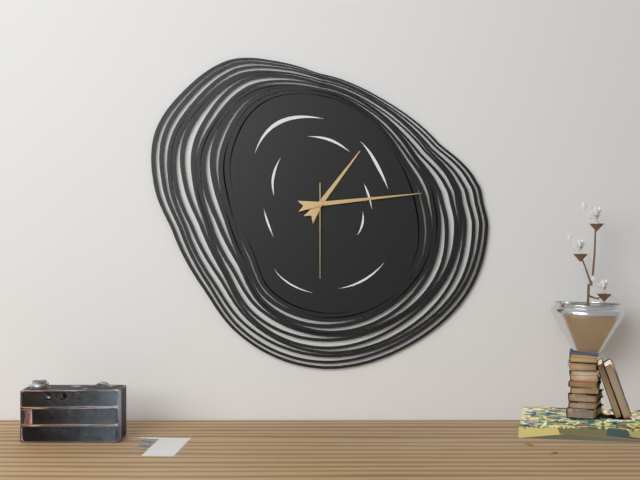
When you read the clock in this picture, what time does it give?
1:14:30
